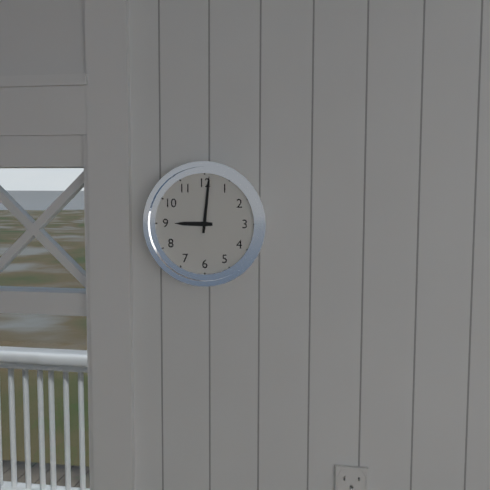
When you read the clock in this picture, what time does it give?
9:01
